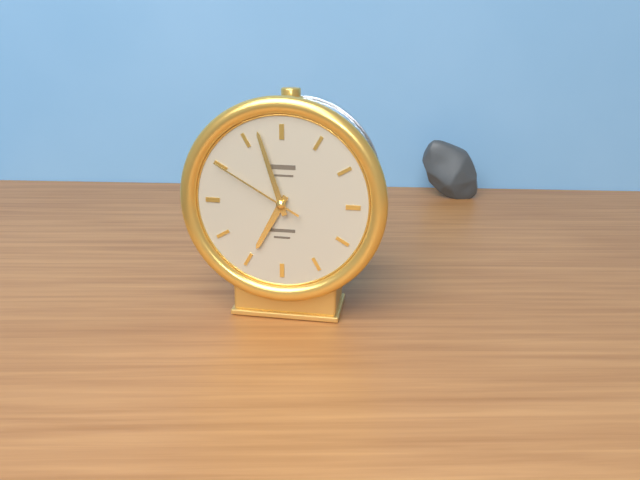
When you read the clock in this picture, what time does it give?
6:57:50
